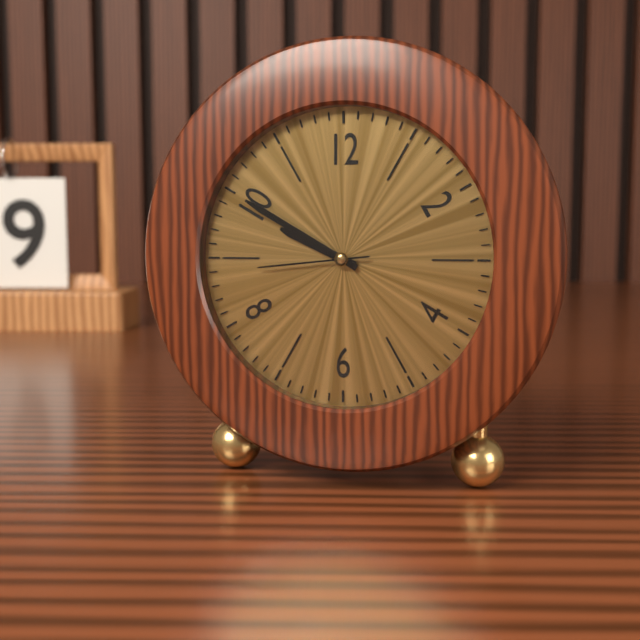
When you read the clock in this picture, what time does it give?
9:50:44
